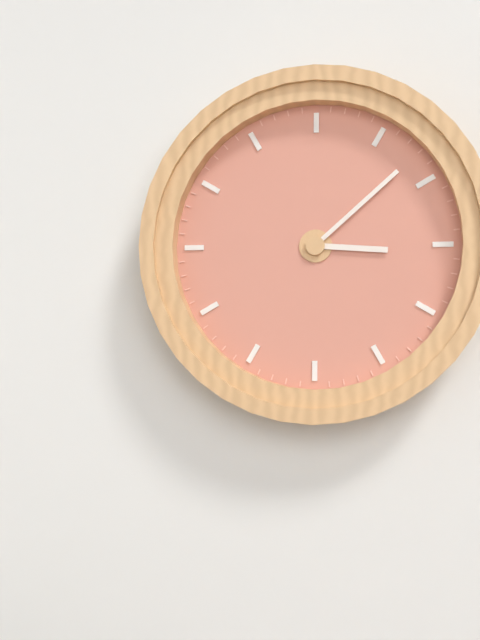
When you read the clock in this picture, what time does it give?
3:08
